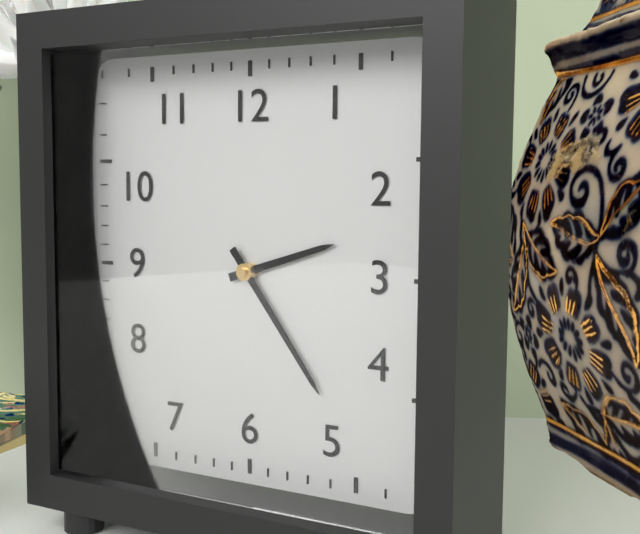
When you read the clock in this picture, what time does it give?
2:24
